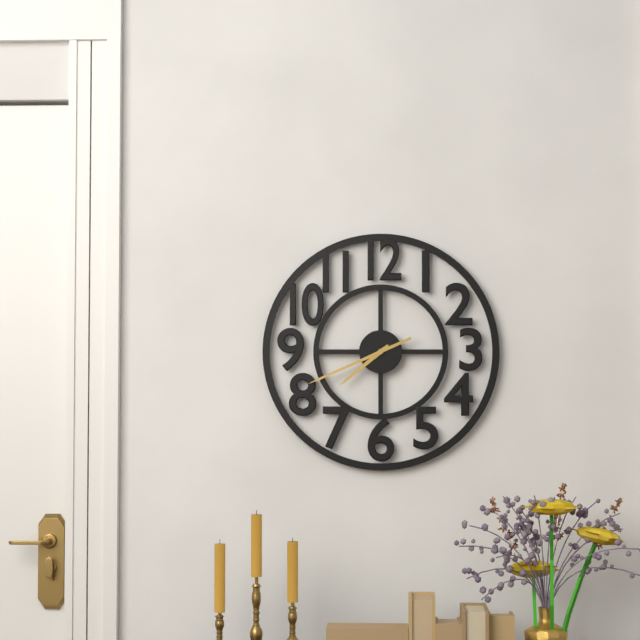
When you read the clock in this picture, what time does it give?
7:41
